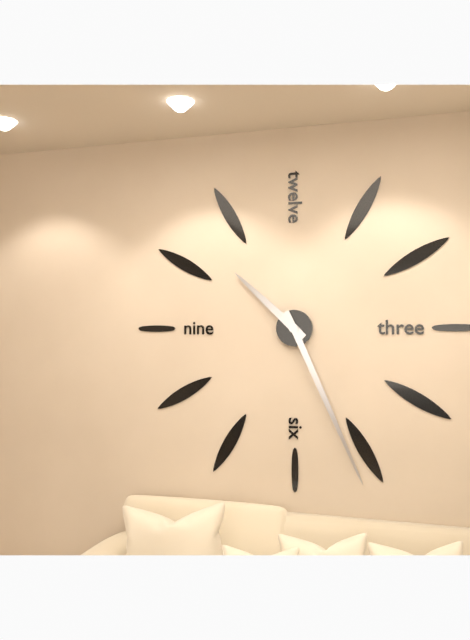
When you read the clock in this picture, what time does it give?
10:26
